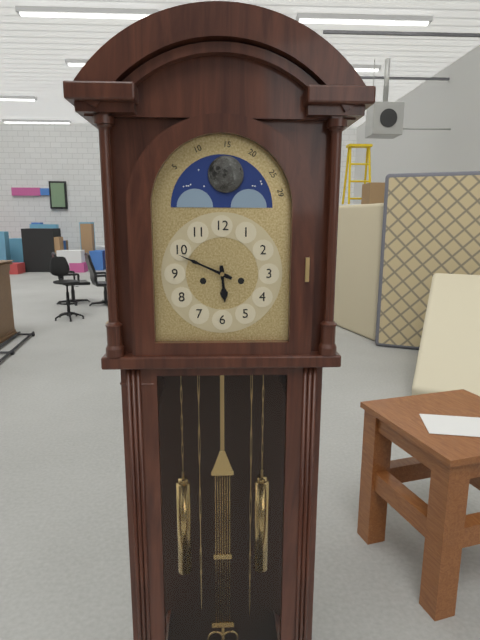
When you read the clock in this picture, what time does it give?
5:49
